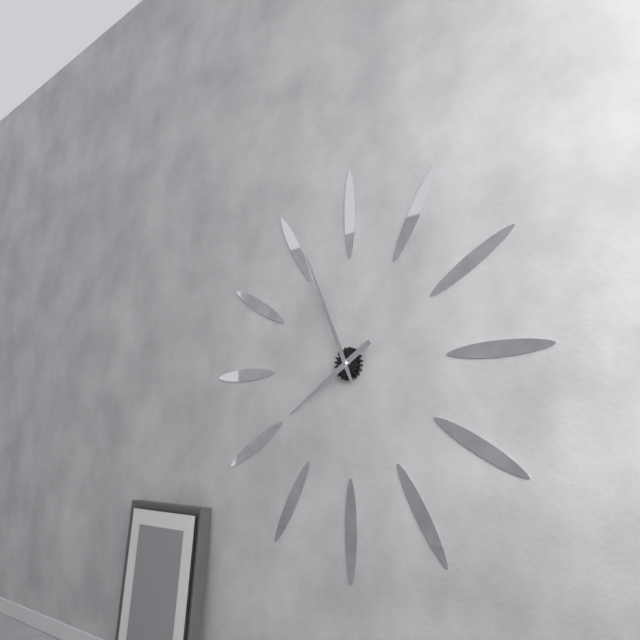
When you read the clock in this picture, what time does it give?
7:56
